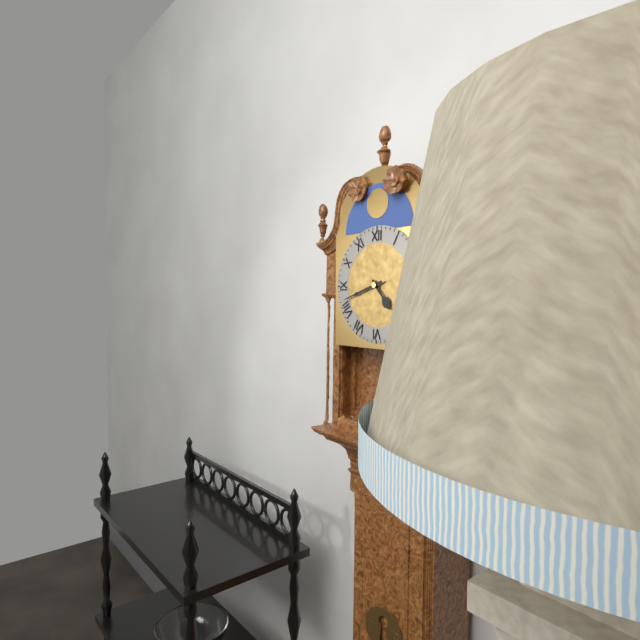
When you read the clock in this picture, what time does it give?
4:42
